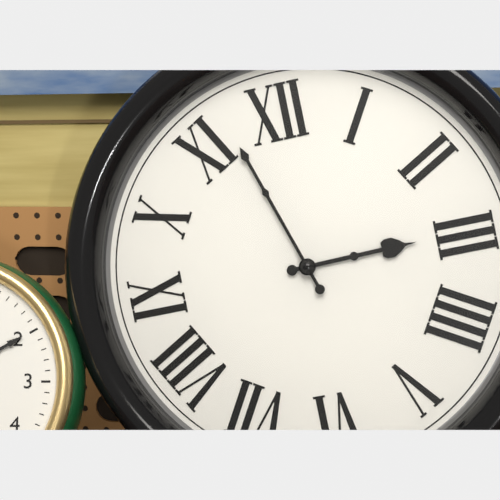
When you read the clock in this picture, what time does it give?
2:57
